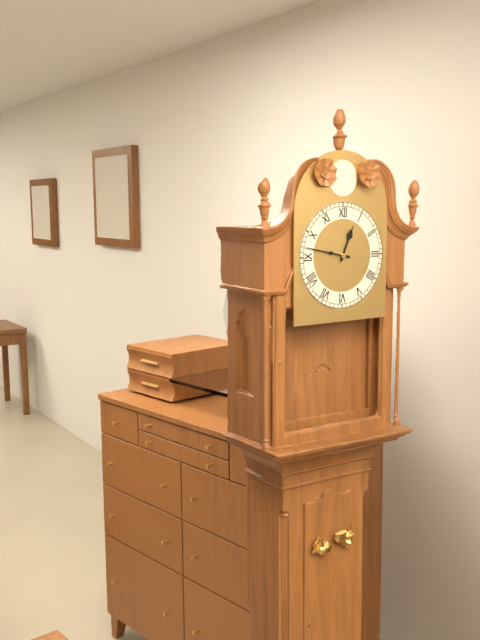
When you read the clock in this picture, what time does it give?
12:47
